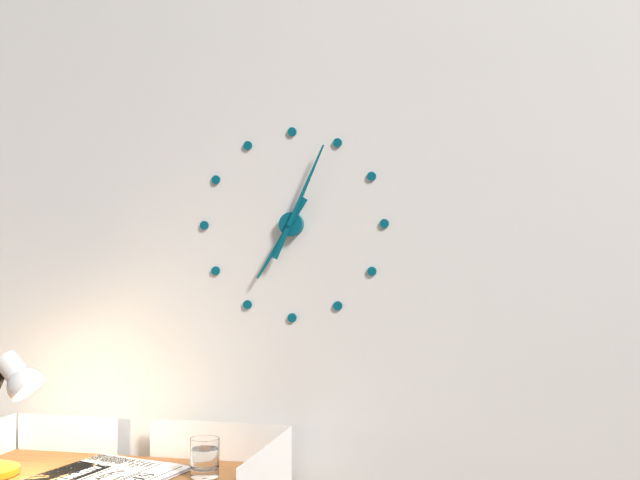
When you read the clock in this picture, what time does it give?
7:04
